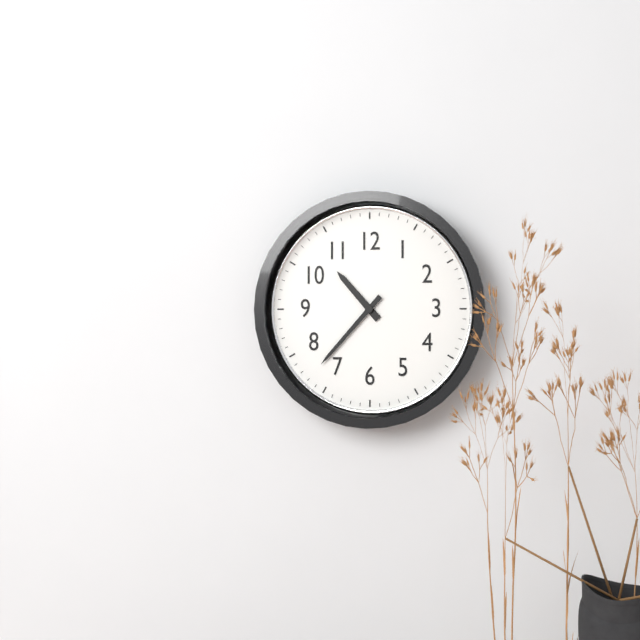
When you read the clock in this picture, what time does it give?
10:37
